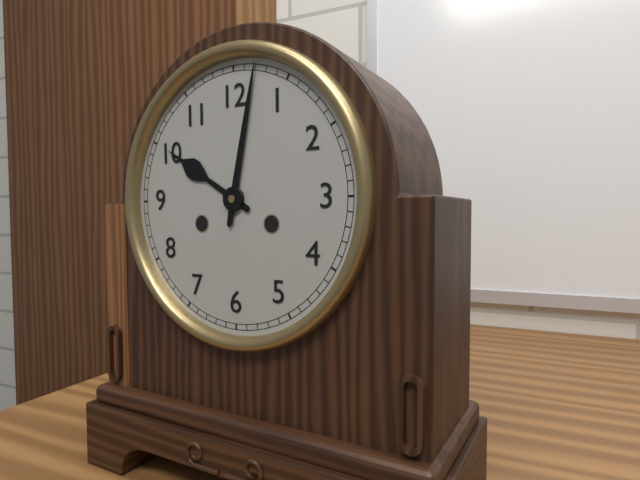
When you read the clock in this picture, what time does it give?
10:02
